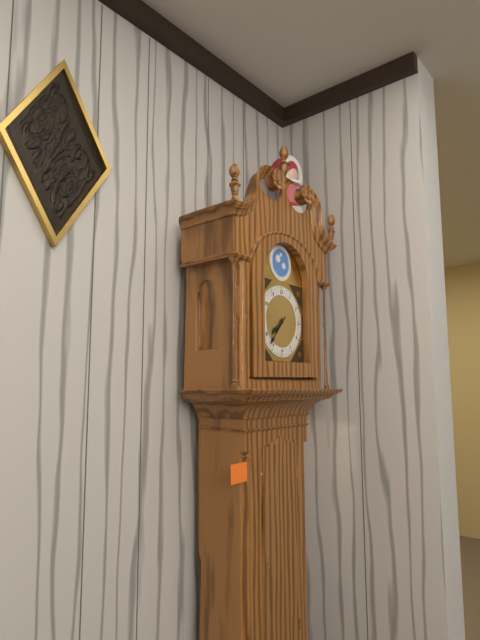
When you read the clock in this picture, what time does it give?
7:37
